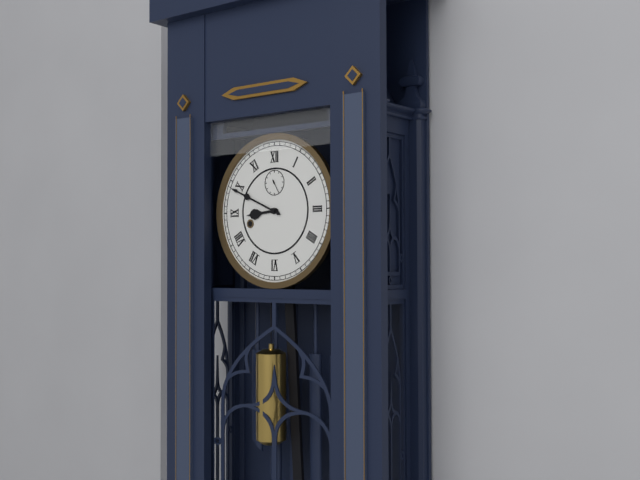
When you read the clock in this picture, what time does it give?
8:49
